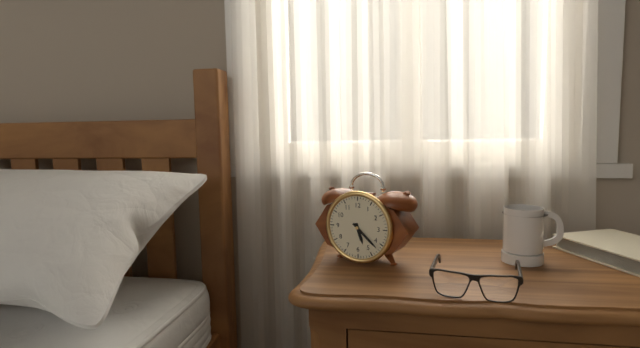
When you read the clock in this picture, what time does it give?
5:22
